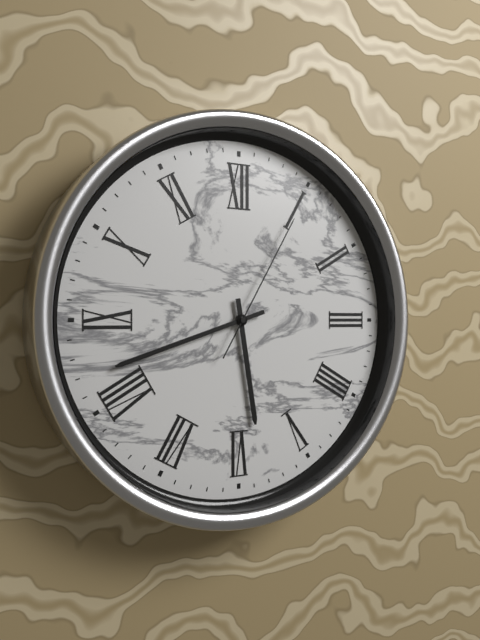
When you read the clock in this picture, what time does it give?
5:42:05
